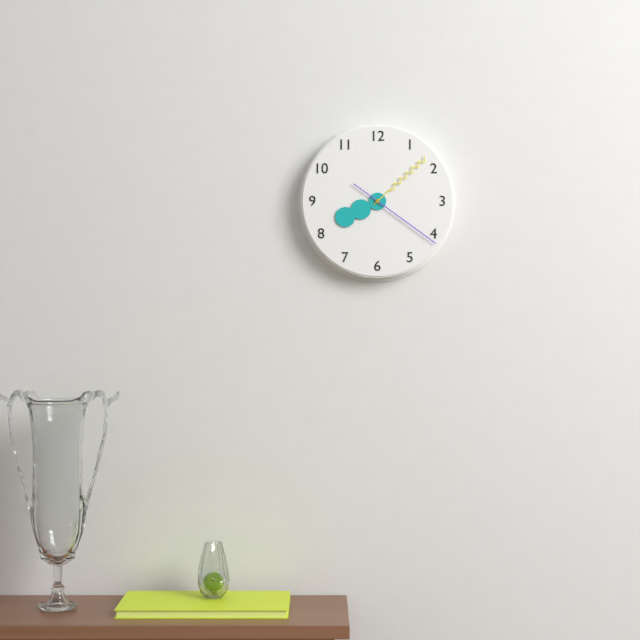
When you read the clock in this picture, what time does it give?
8:08:21
